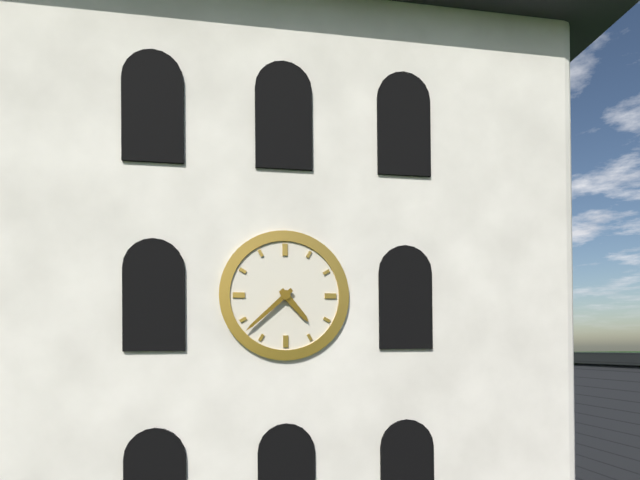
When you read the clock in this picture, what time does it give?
4:38
